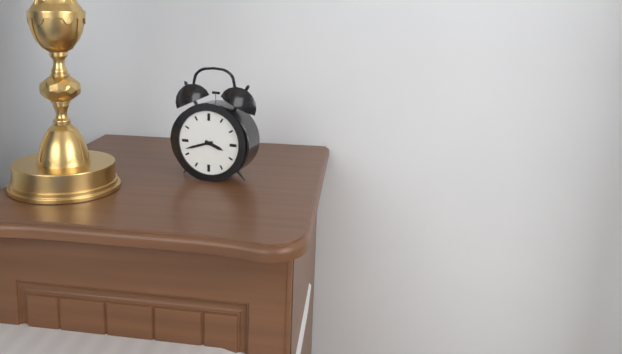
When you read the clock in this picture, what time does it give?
3:42
